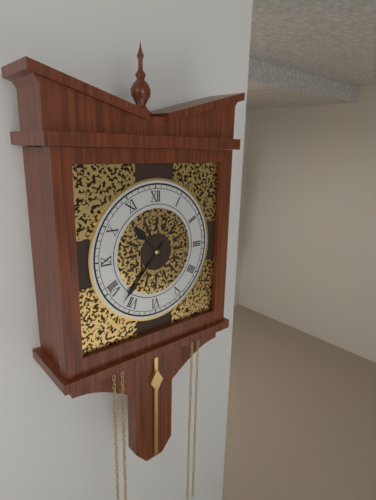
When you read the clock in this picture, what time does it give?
10:37
